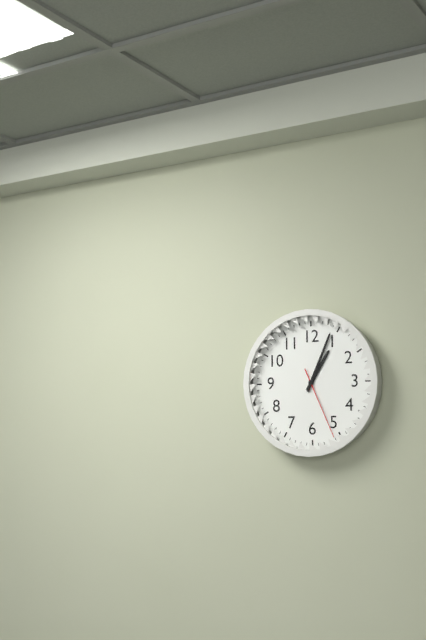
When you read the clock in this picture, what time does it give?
1:04:26
